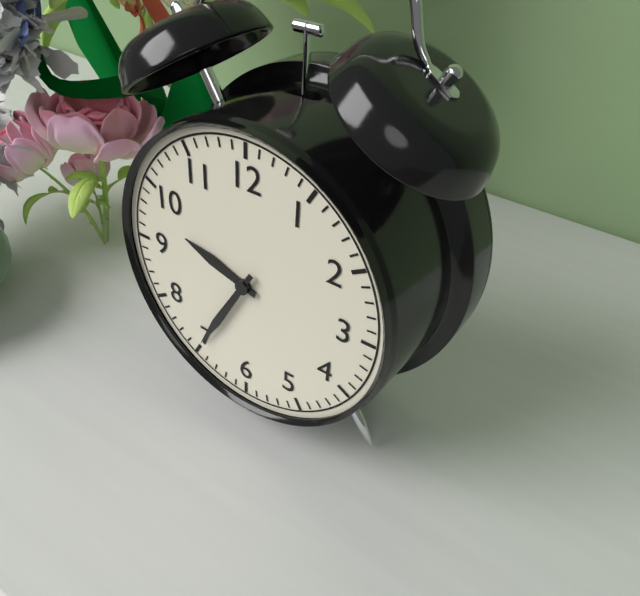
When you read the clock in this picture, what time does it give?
9:35
